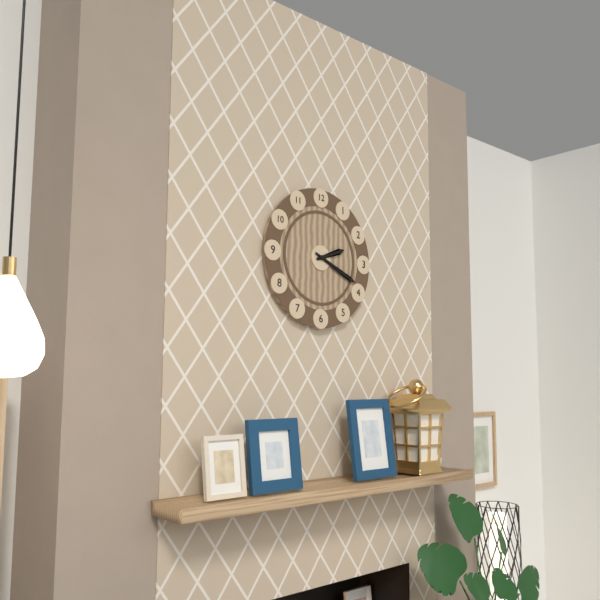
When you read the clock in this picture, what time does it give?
2:19
